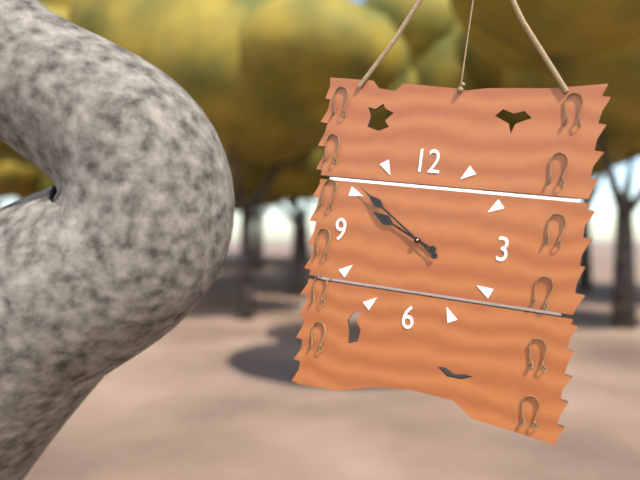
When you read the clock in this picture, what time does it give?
9:51
